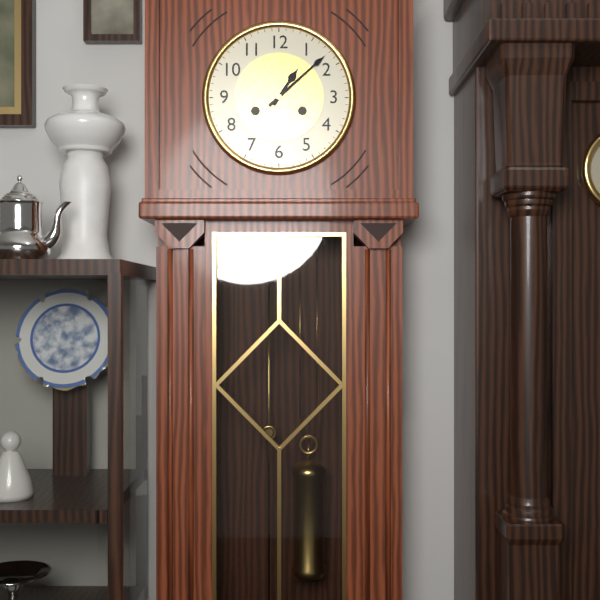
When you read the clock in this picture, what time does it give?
1:08
